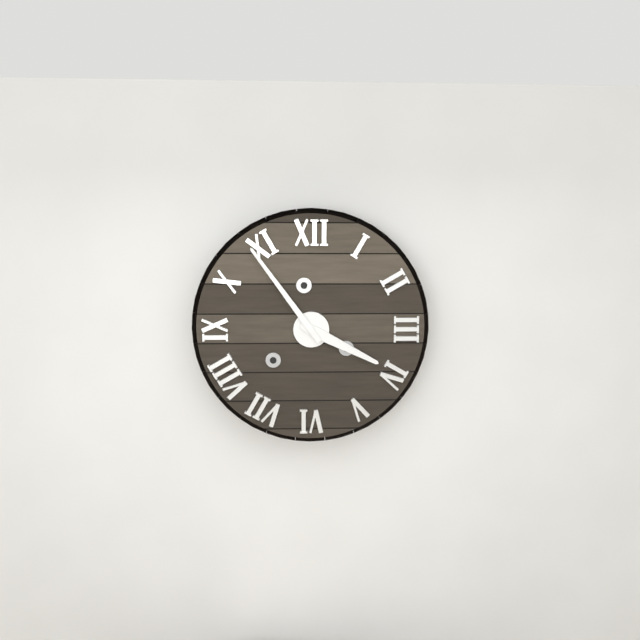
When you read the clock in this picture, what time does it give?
3:54
